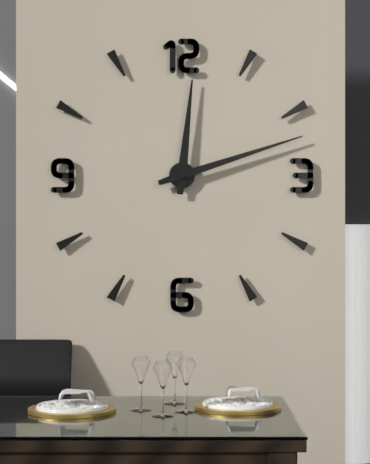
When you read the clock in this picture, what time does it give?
12:12
